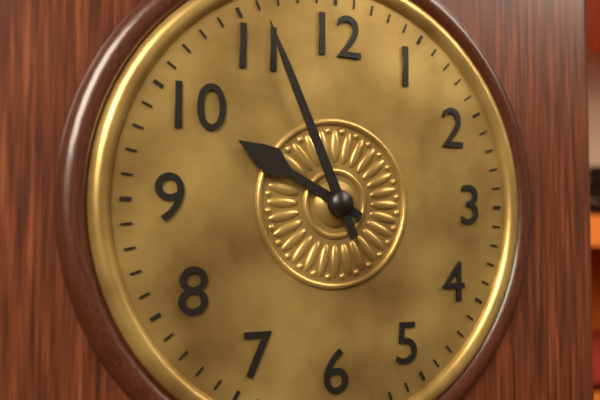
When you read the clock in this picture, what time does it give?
9:56
